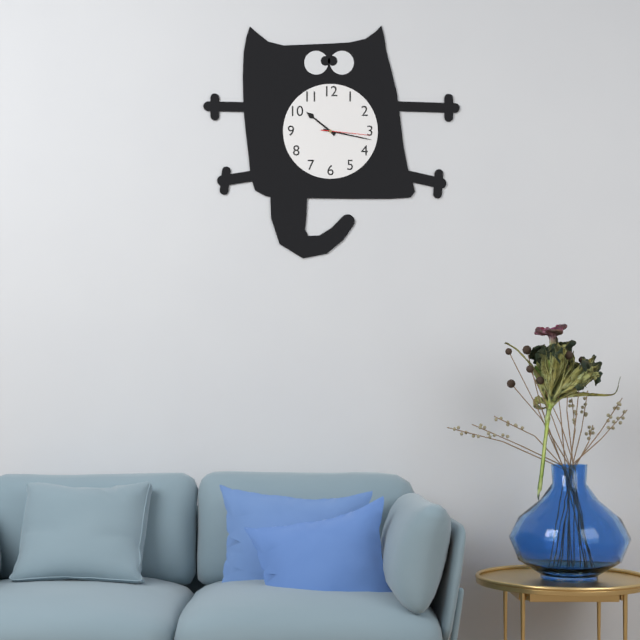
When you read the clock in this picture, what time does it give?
10:17
